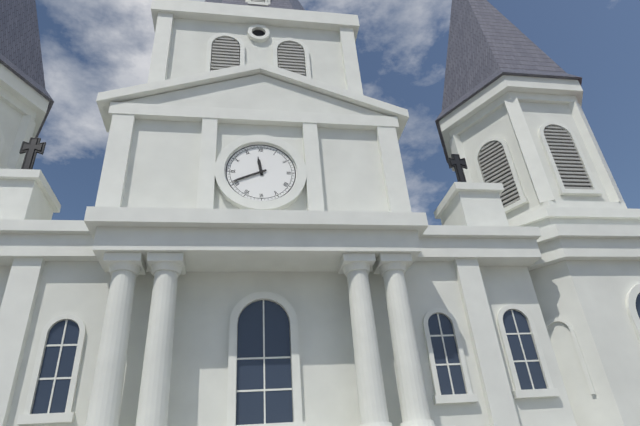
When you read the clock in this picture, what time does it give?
11:41
